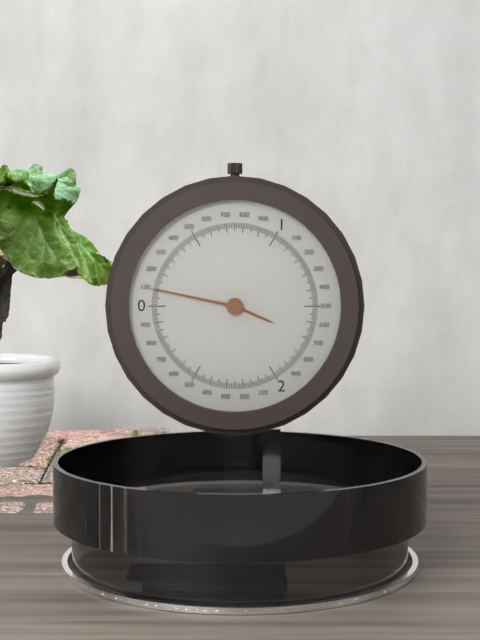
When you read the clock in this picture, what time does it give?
3:47
